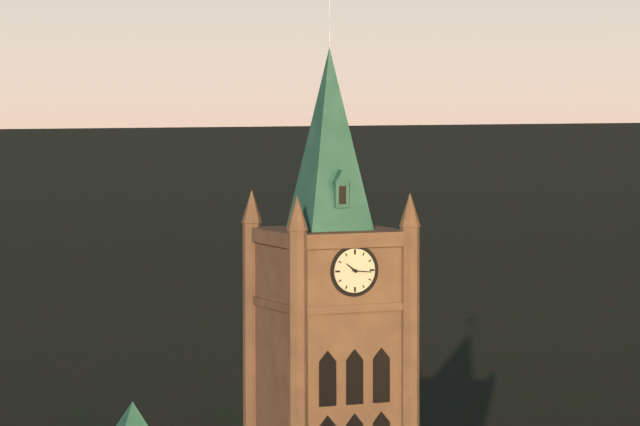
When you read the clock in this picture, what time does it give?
10:16
